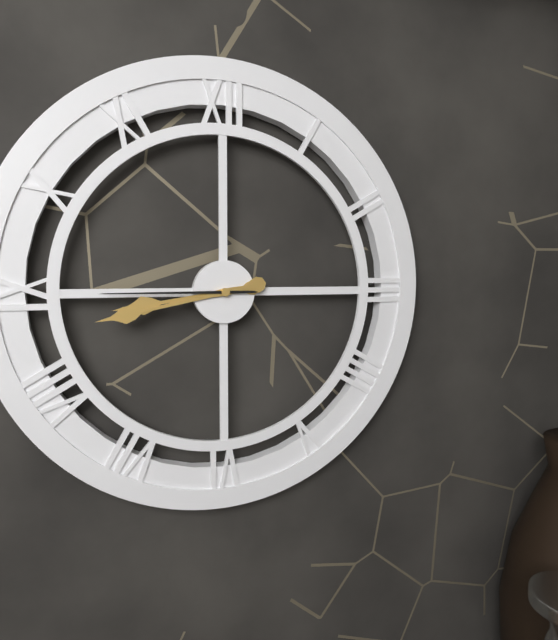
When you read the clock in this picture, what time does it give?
8:43:45
